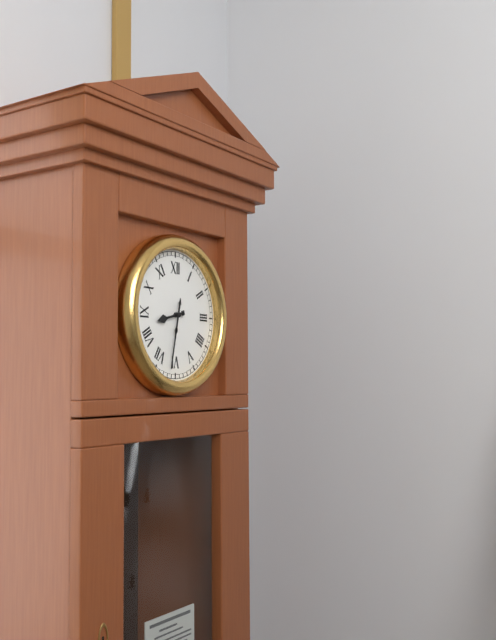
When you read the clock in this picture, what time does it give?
8:32
